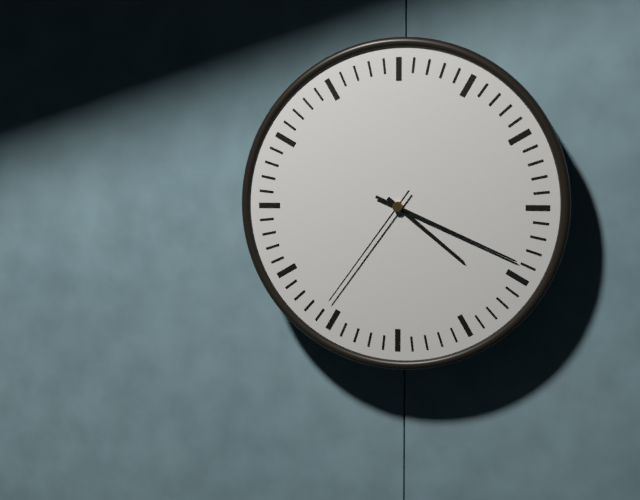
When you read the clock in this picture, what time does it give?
4:19:36
